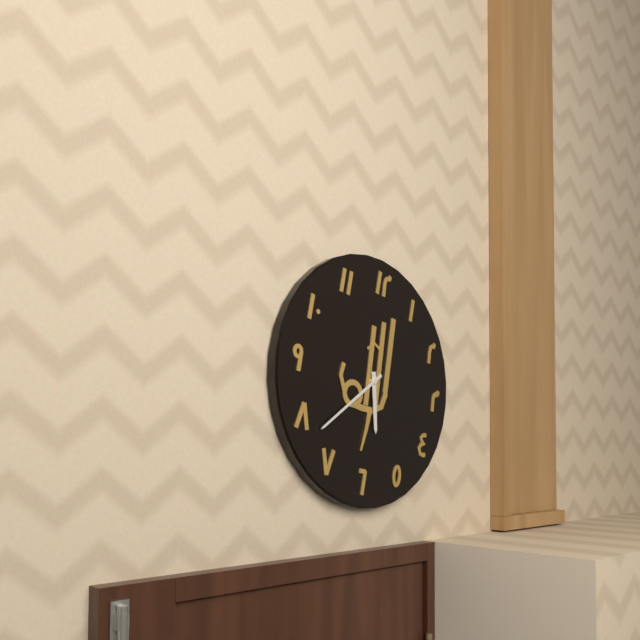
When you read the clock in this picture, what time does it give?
5:38
